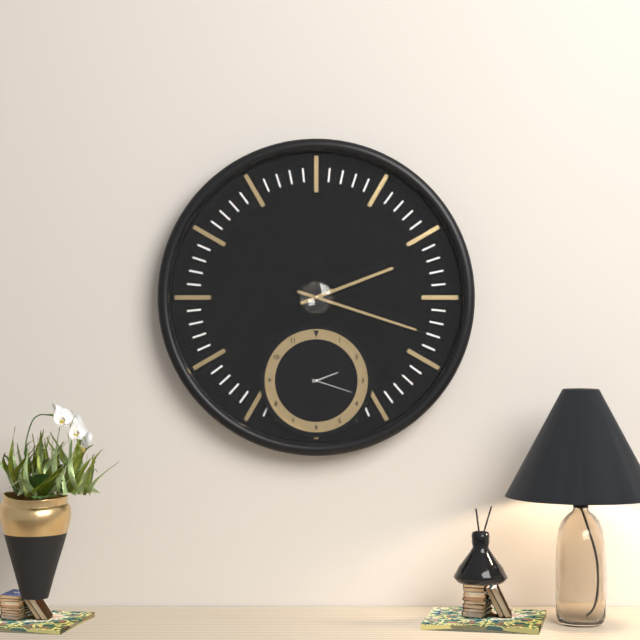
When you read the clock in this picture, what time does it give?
2:18
